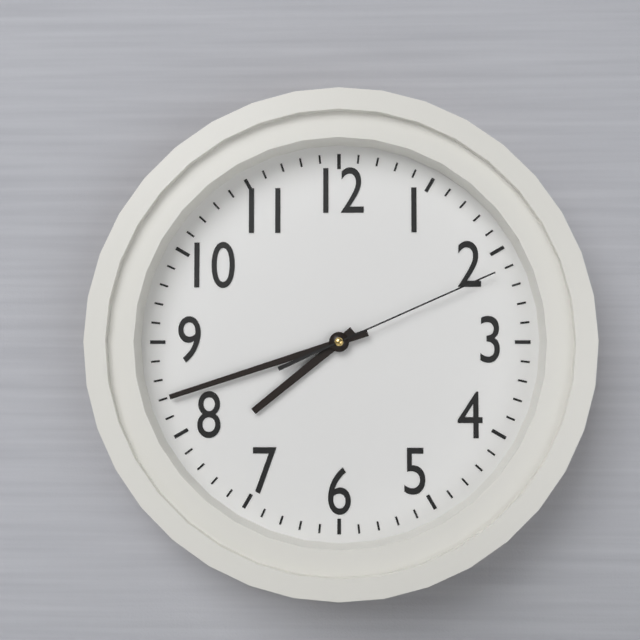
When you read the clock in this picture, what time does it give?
7:42:11
